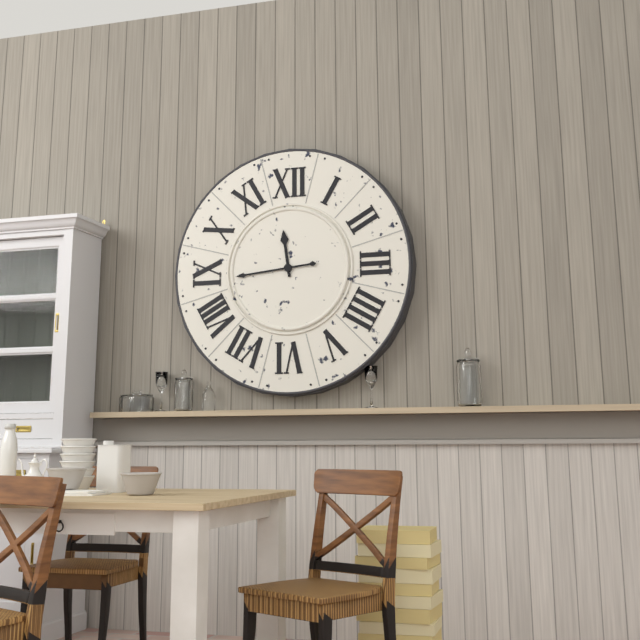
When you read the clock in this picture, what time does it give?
11:44
